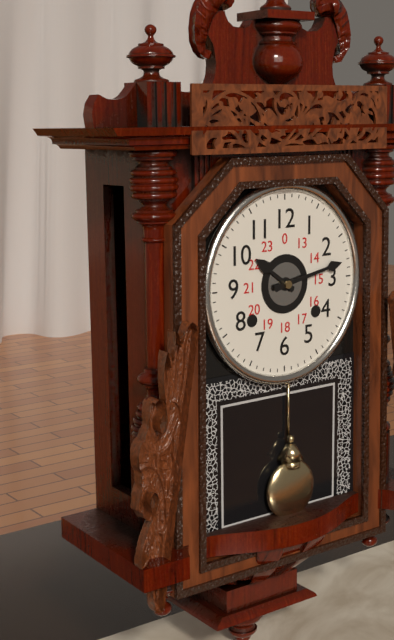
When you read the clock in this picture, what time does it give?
10:13
